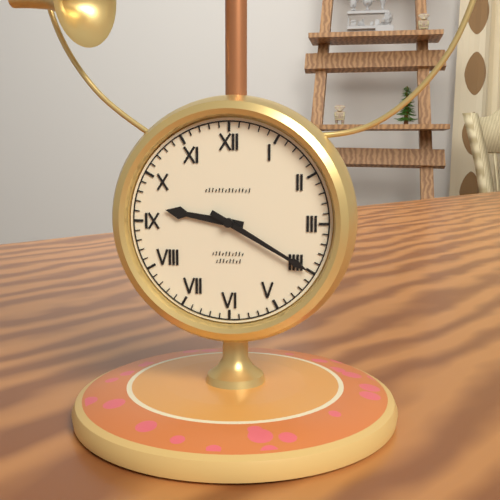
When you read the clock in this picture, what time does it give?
9:20
